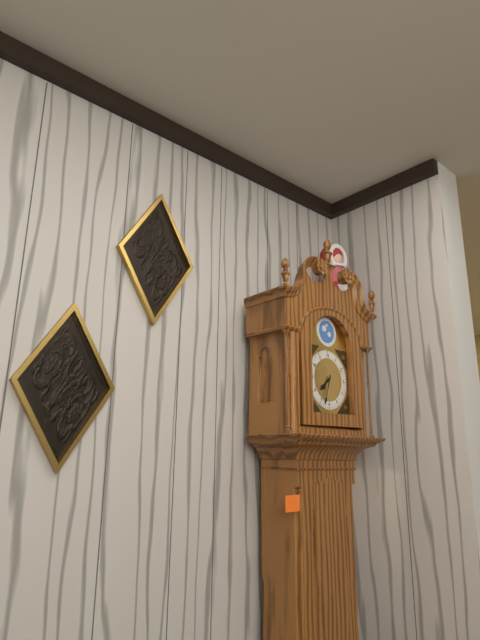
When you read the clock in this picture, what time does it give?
7:33
